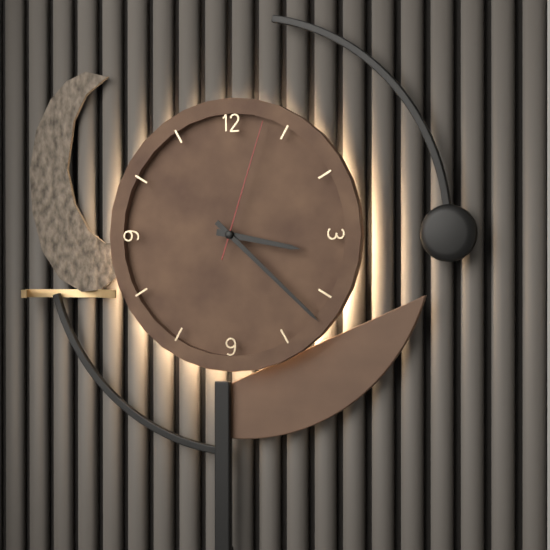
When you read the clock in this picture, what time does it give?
3:22:03
